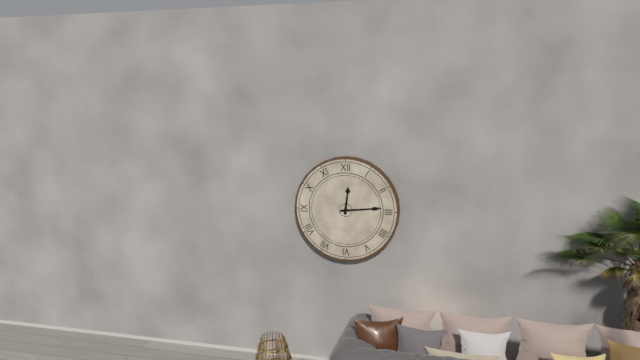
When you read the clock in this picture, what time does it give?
12:14
